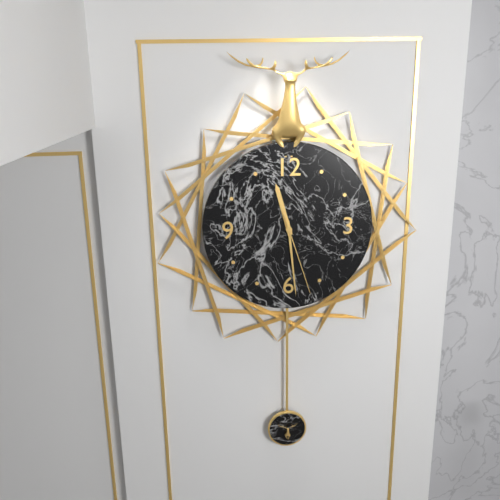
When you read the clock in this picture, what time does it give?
11:29:27
